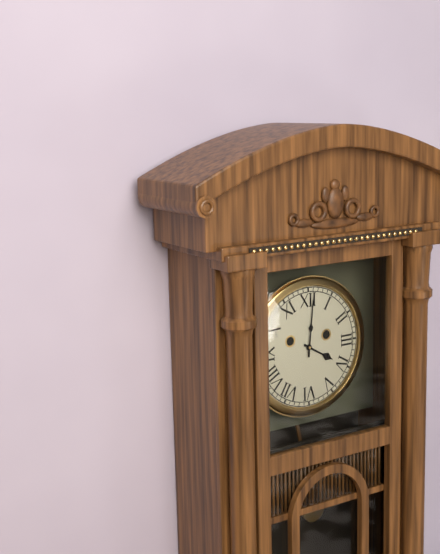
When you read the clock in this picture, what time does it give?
4:01
